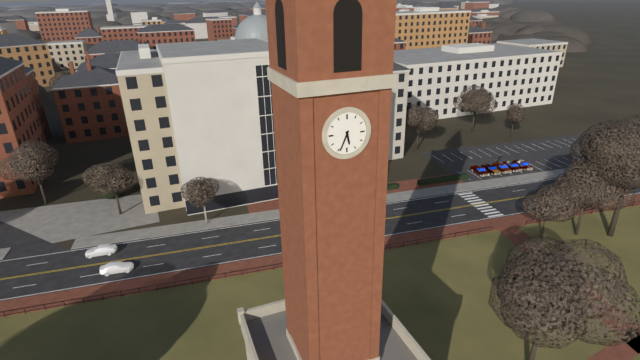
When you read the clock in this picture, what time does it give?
5:34
